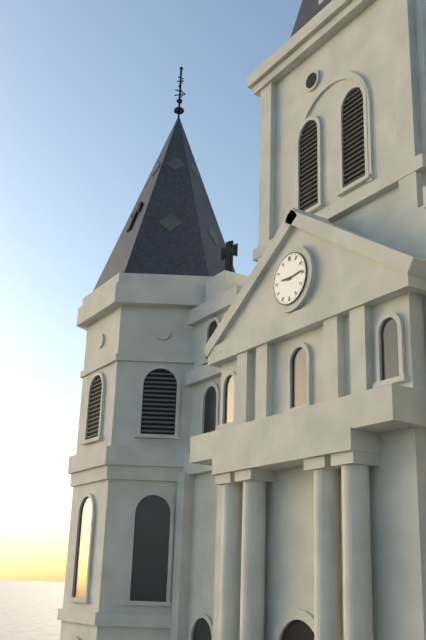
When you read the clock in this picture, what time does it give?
9:14
